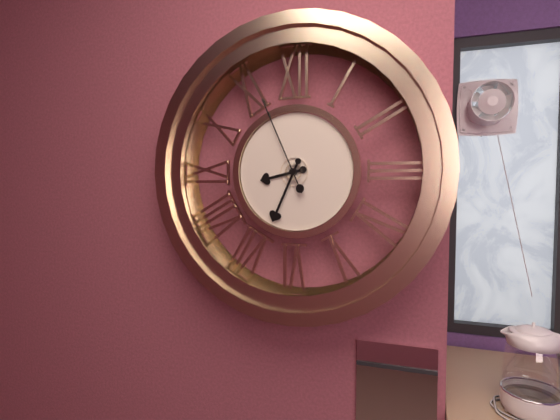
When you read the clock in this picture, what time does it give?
8:34:56
